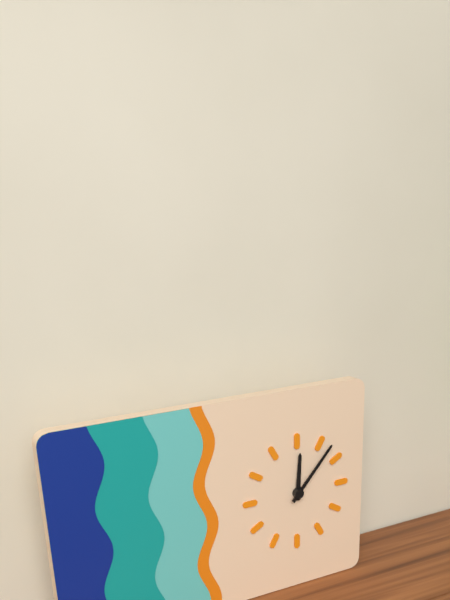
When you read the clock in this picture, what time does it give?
12:07
